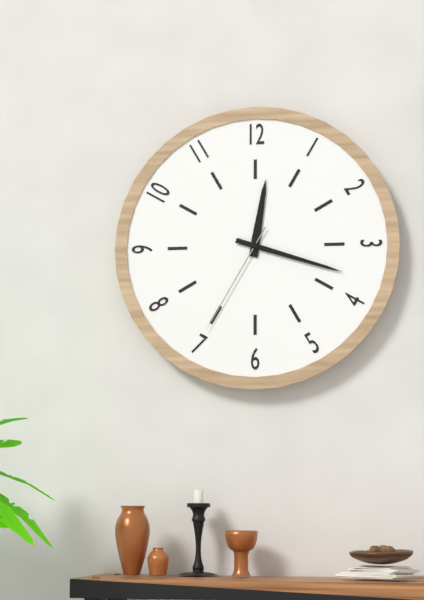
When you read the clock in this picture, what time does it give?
12:18:35
